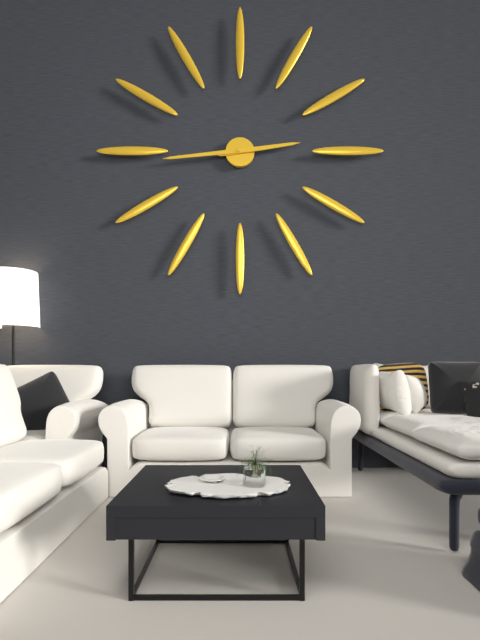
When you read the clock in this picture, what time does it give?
2:44
